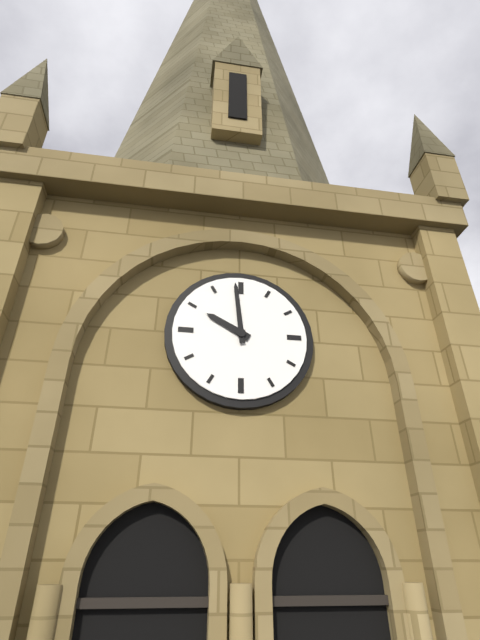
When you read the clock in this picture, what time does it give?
9:59
